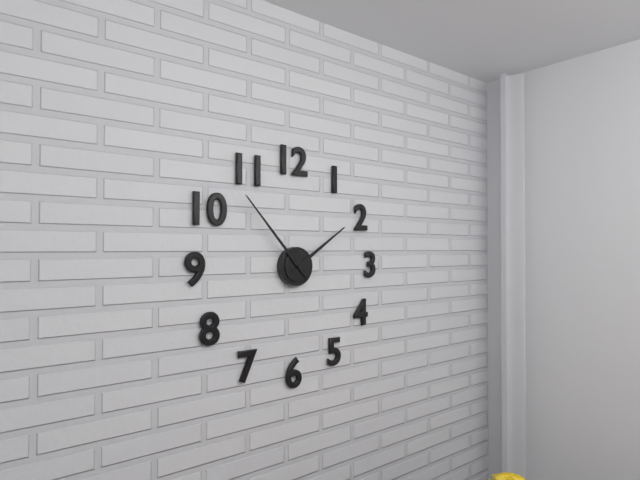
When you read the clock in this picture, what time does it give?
1:53
